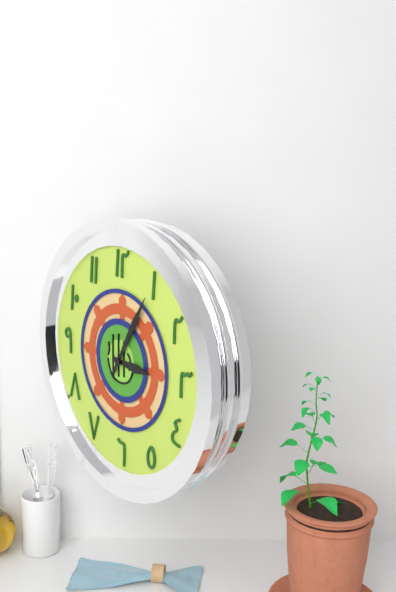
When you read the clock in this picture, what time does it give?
3:05
